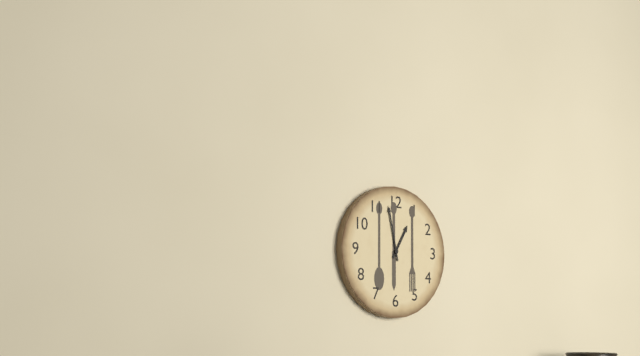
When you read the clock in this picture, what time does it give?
12:58
